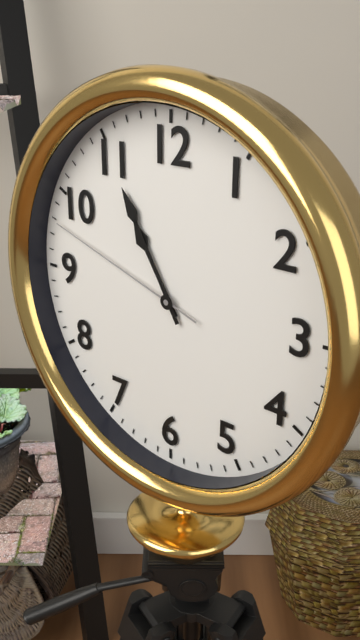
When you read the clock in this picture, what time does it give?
10:55:48
